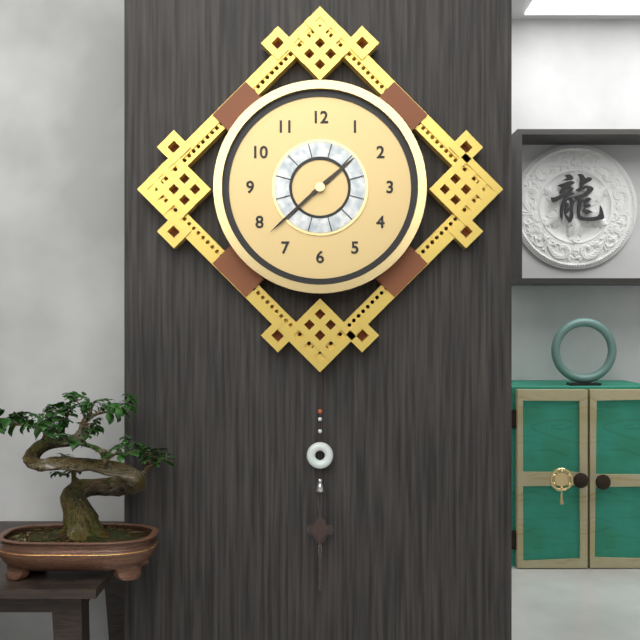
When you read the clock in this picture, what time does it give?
1:38
